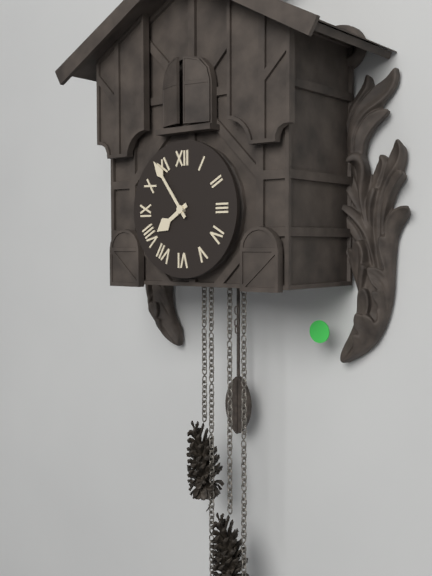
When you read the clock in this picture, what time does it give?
7:54
